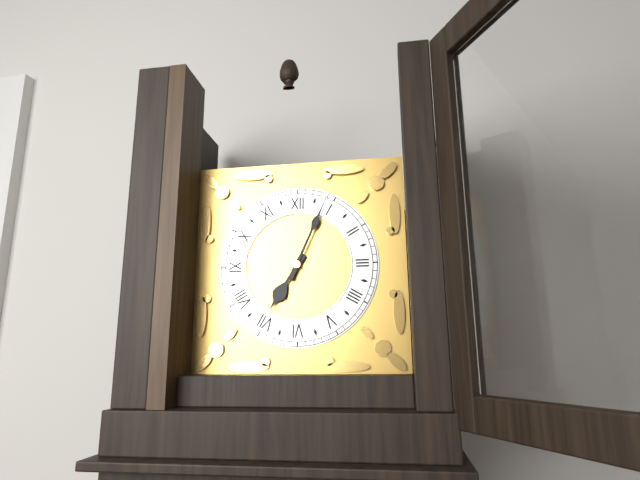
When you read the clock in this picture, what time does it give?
7:04
